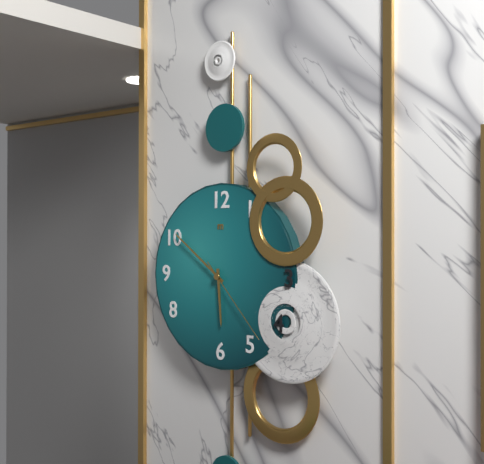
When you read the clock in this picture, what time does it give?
5:51:23
